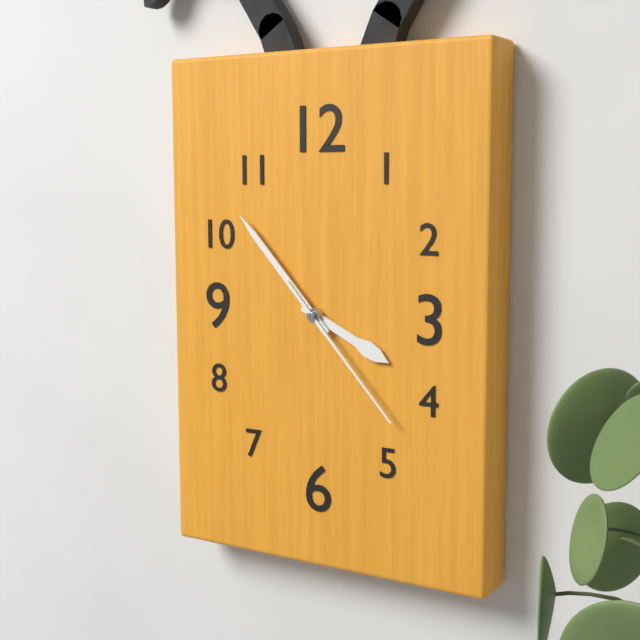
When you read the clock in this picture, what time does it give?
3:53:23
